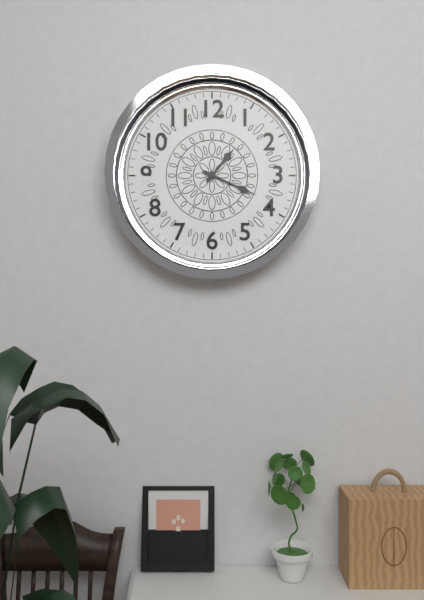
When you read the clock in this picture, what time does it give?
1:19
